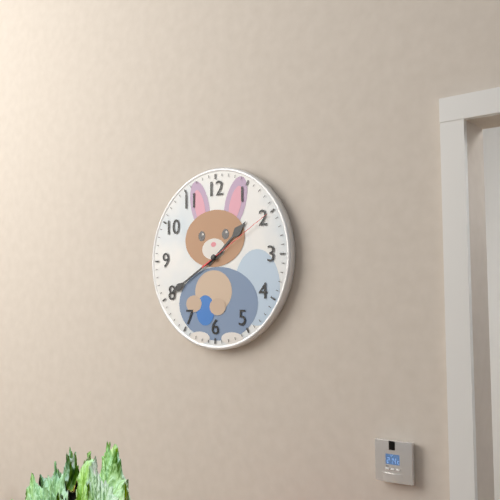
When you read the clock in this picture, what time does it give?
1:40:10
